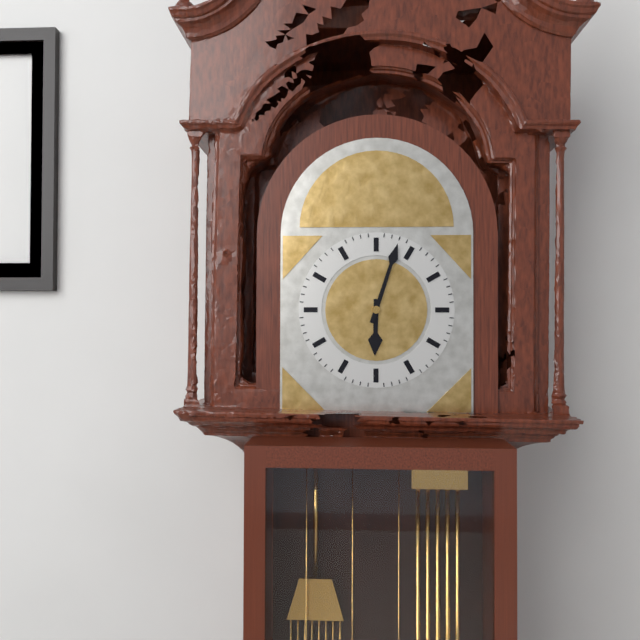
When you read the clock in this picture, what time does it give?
6:03
